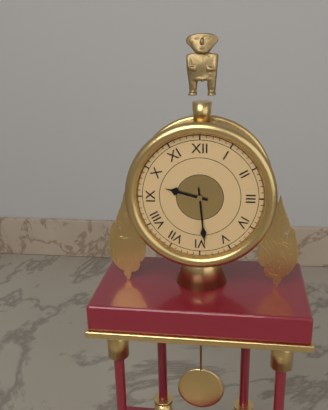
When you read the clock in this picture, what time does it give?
9:29
